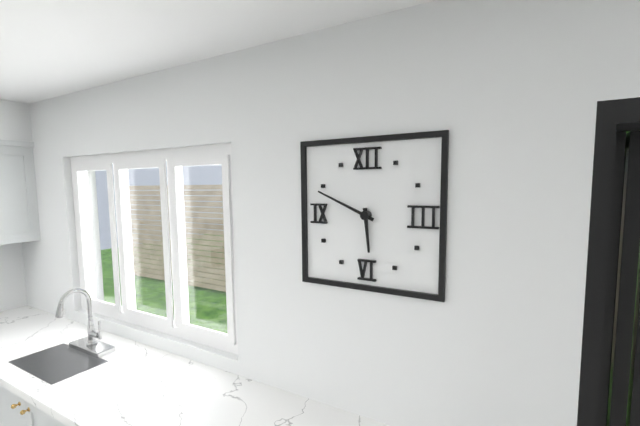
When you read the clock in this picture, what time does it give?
5:49
